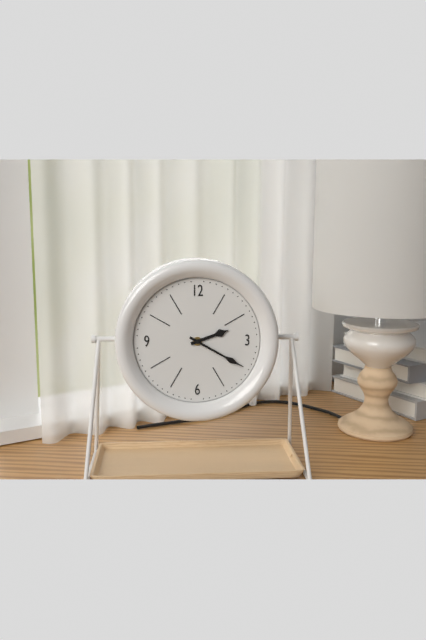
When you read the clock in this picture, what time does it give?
2:20
